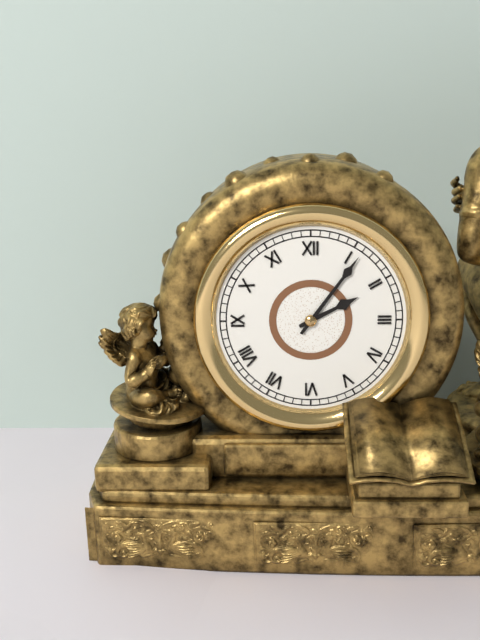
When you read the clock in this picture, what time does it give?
2:06
